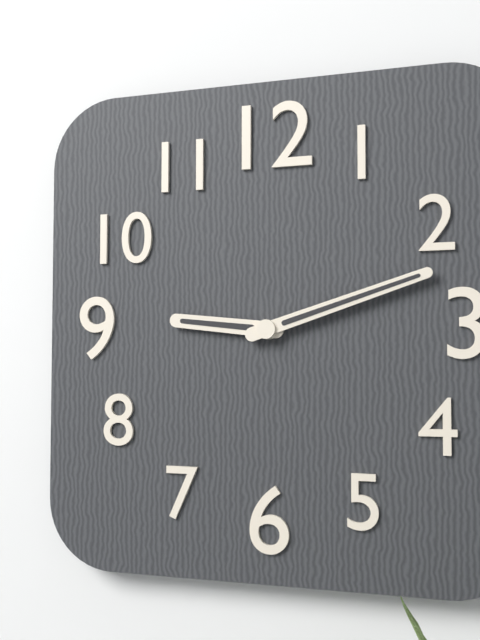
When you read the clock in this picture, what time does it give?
9:12
